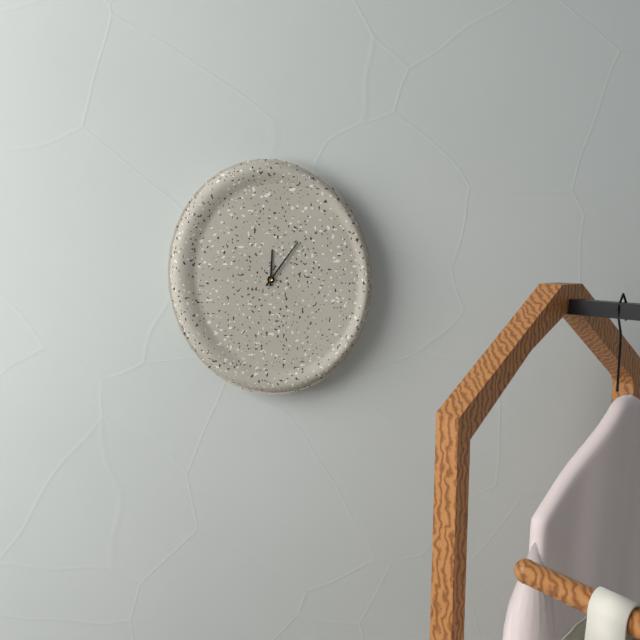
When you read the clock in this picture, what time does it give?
12:06
